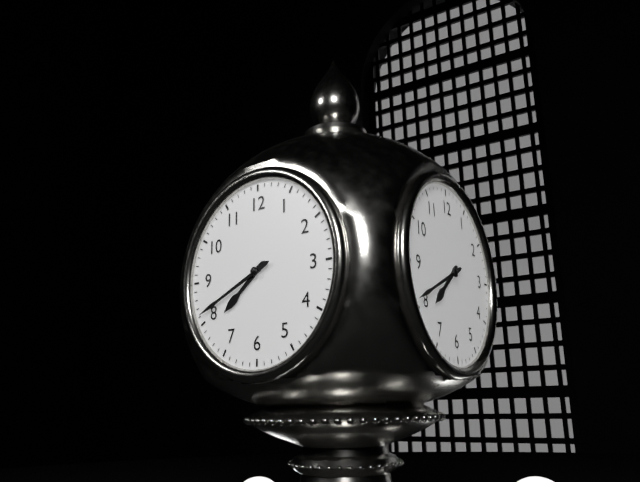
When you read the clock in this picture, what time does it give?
7:41
